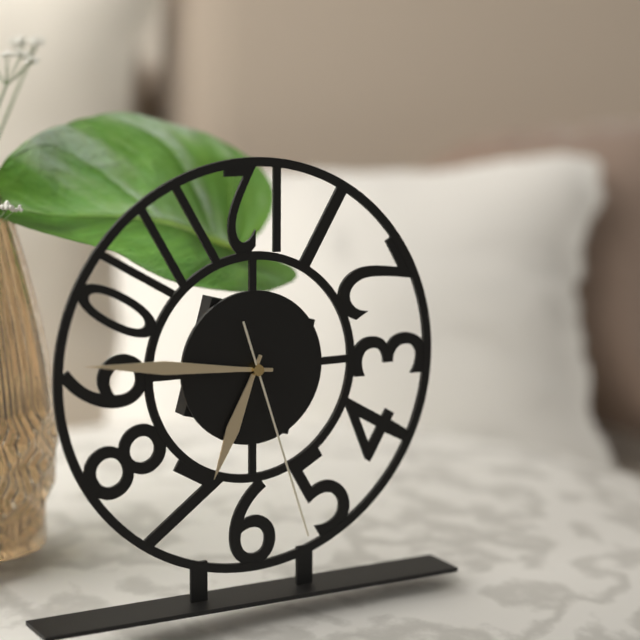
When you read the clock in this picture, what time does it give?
6:46:27
